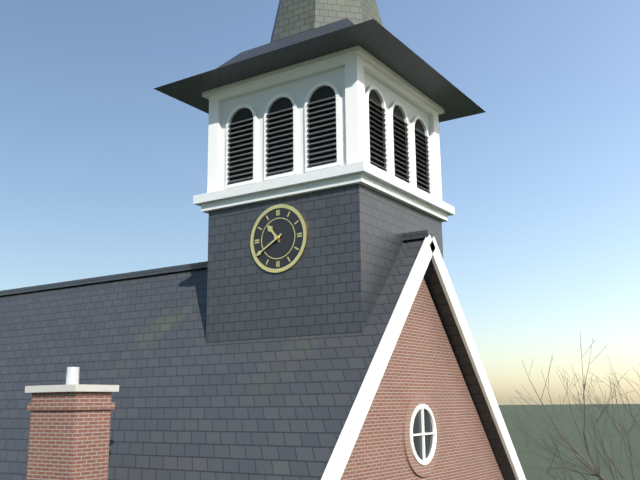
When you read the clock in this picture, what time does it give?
10:40
